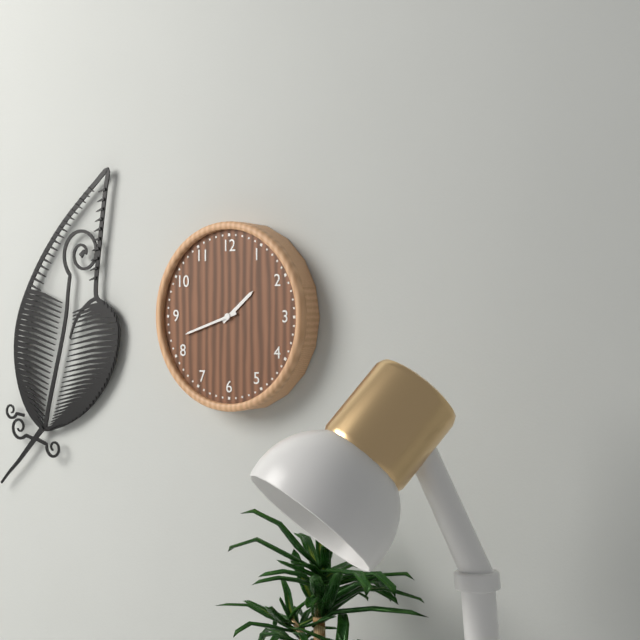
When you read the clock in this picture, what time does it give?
1:42
